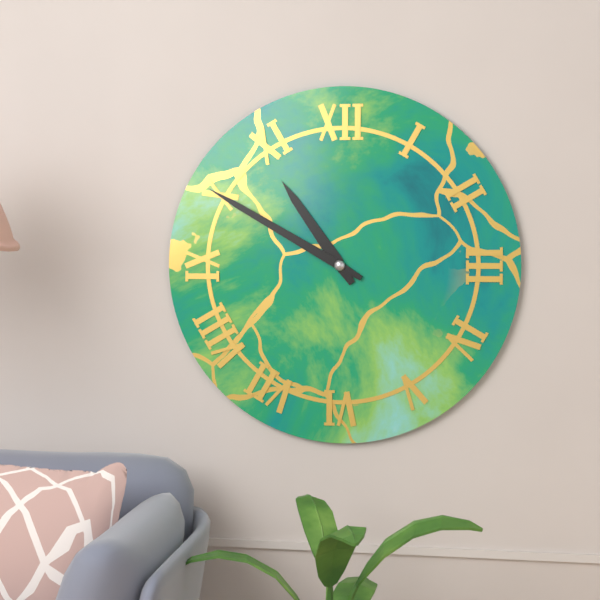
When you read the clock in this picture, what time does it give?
10:50
